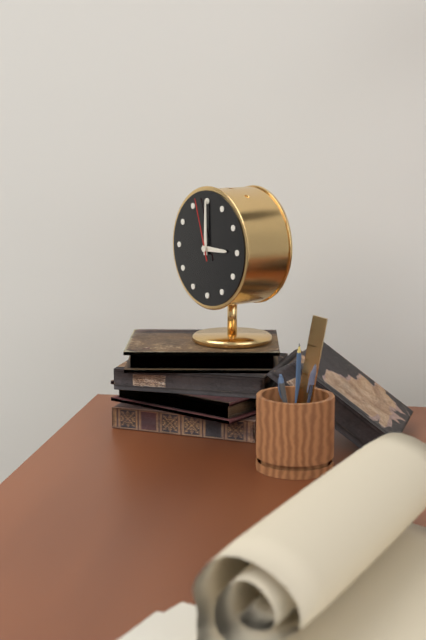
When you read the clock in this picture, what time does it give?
3:00:57
